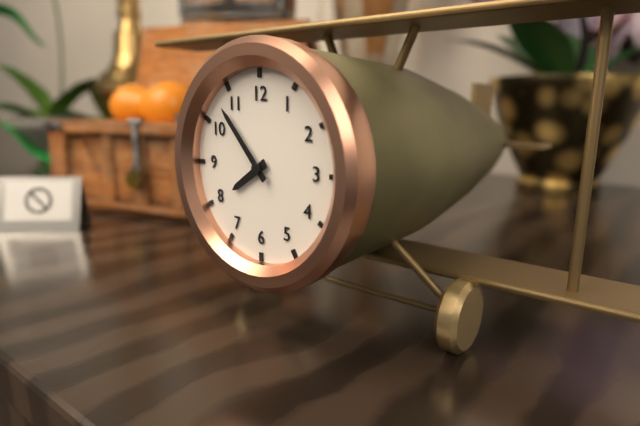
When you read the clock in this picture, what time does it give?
7:53
